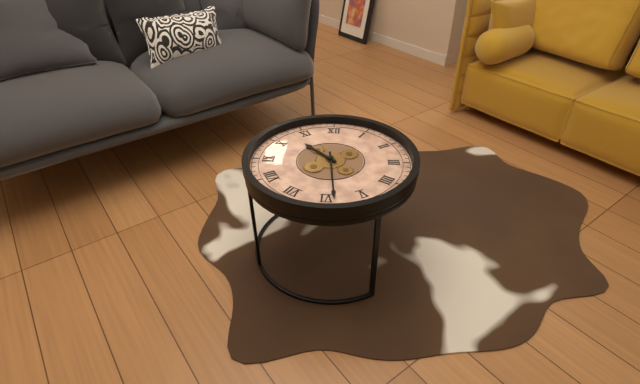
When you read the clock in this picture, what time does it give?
10:29
